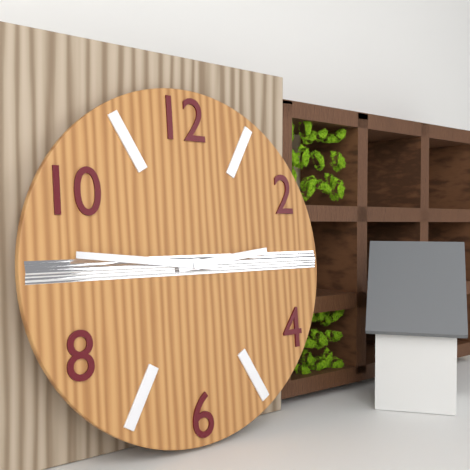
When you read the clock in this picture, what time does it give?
2:46
